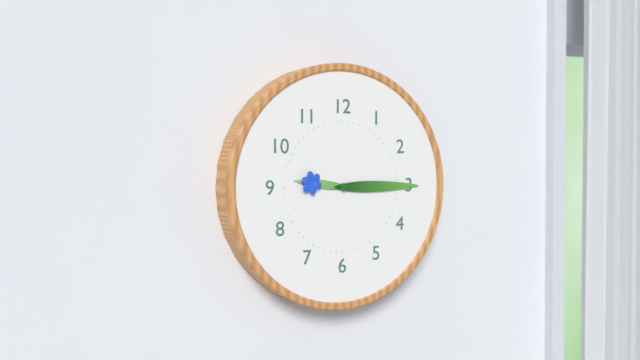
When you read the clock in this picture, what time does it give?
9:15
